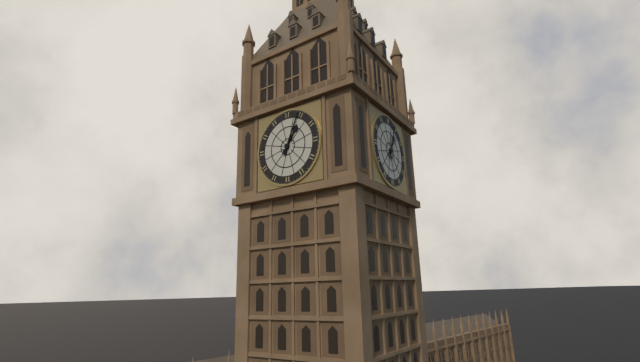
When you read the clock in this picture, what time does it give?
1:04
